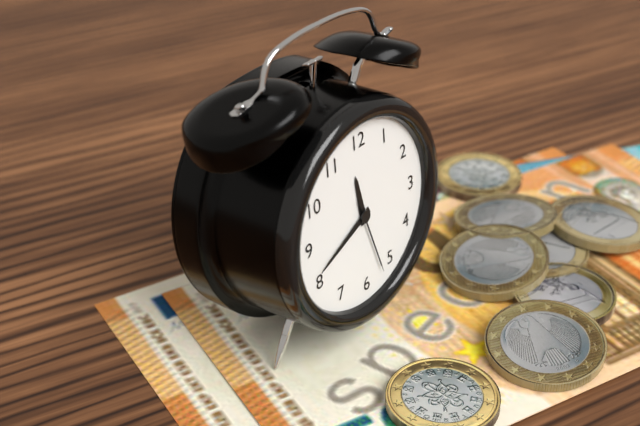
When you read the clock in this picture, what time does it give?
11:41:27
